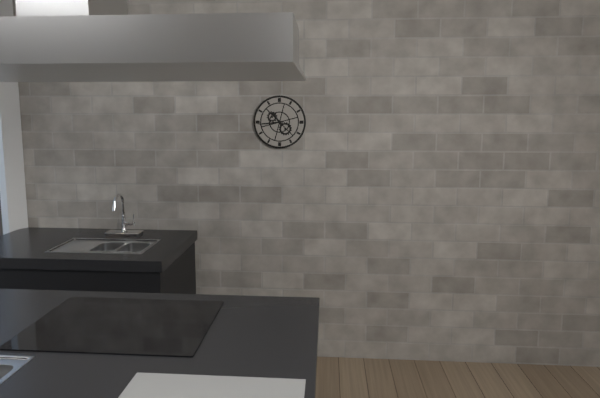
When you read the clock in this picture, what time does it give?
10:44
